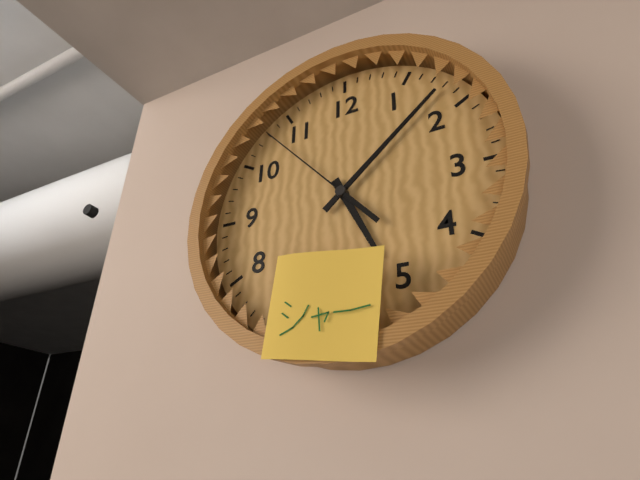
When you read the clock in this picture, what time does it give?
5:08:53
